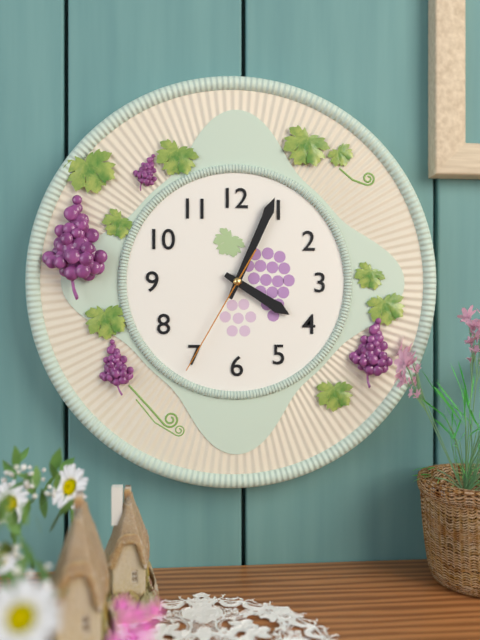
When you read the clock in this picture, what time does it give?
4:04:35
